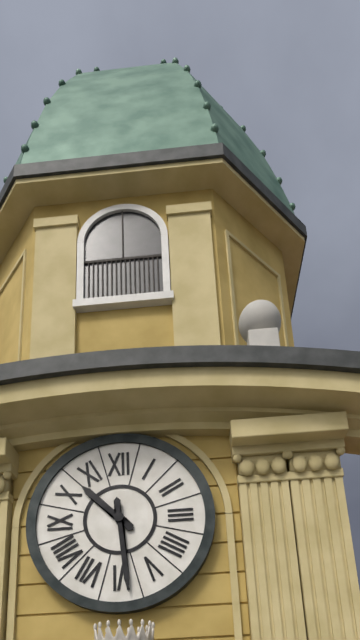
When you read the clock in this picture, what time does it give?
10:29
